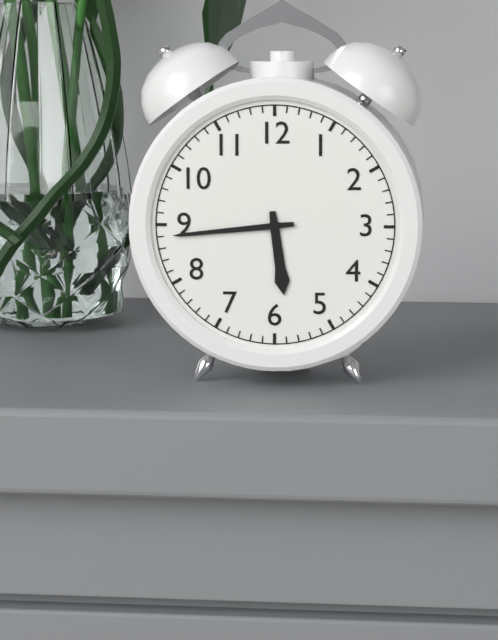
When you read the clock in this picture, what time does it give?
5:44
